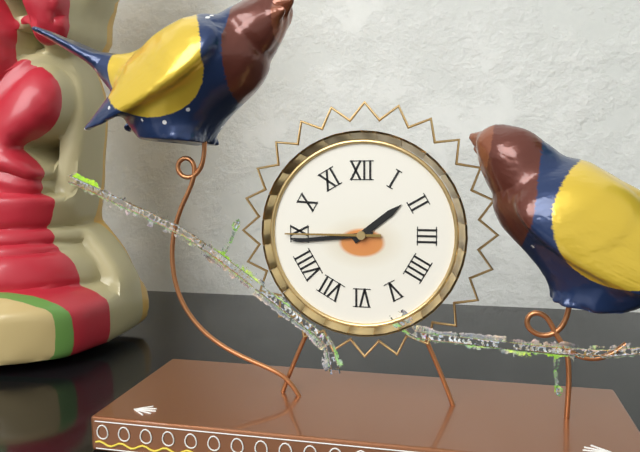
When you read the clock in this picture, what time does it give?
1:44:45
